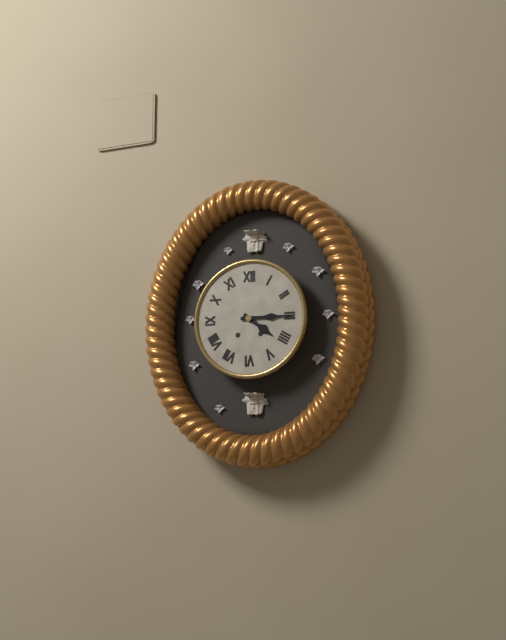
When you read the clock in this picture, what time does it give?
4:15
